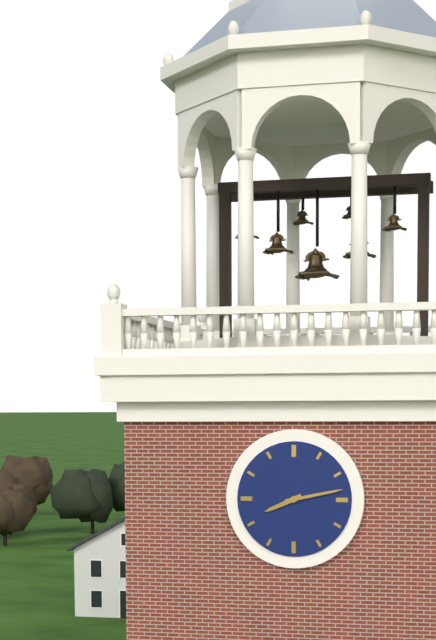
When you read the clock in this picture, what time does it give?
8:13
